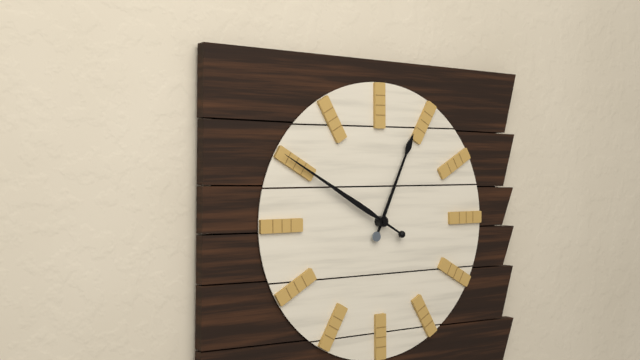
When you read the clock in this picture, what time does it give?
12:50
